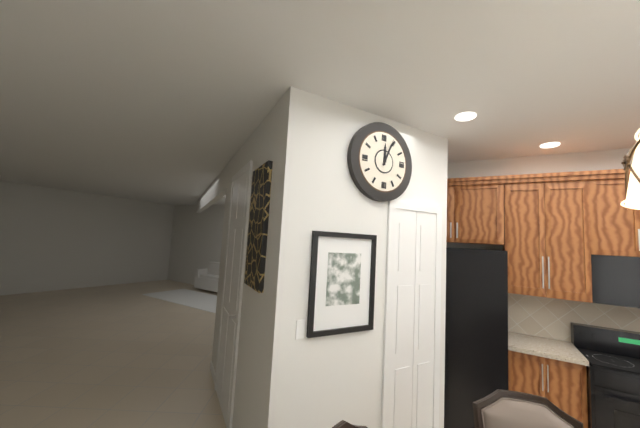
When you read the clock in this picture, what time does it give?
12:04
